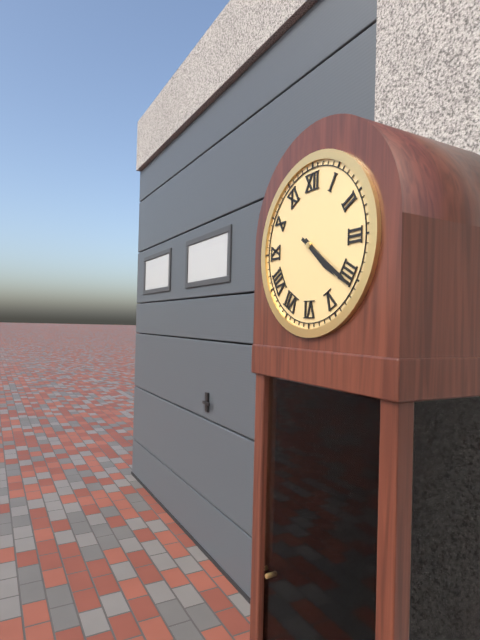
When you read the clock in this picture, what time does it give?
4:21
